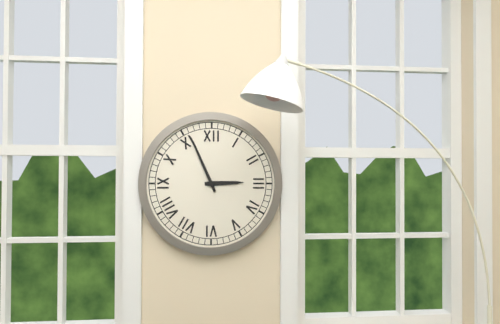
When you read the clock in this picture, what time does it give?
2:56
